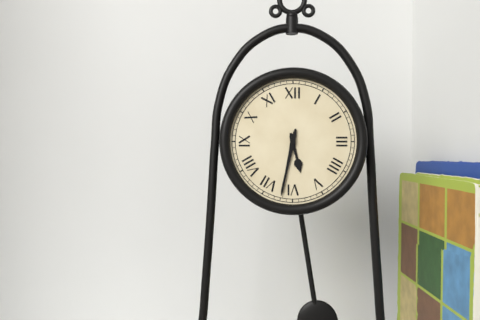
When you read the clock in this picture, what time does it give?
5:32
